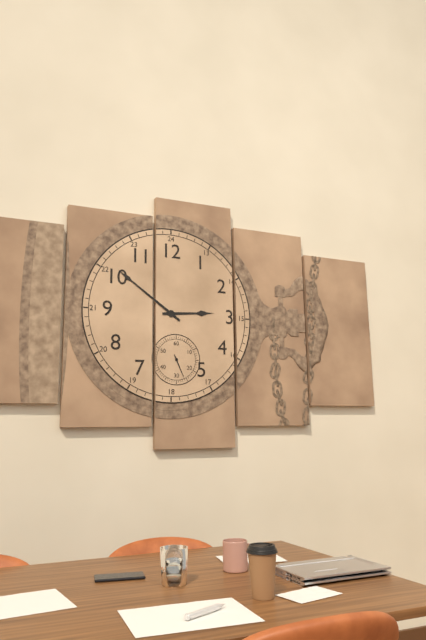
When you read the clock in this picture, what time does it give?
2:51
